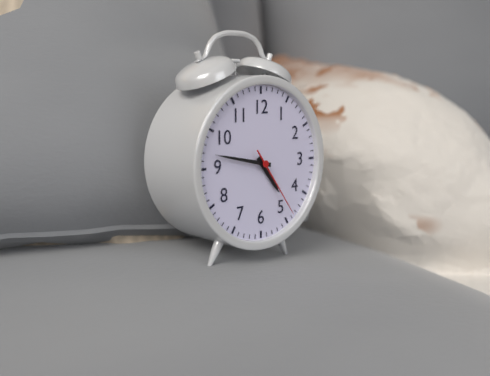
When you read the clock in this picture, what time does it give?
4:47:24
